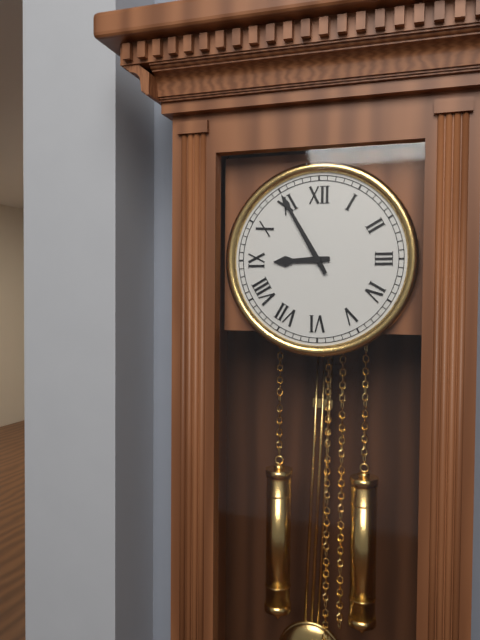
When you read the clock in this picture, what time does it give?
8:55
